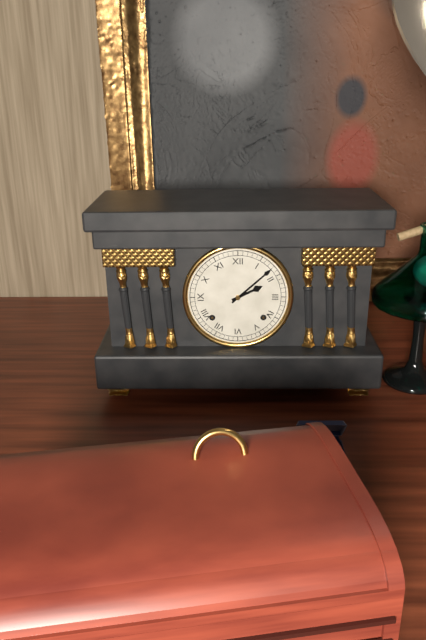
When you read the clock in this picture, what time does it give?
2:08
